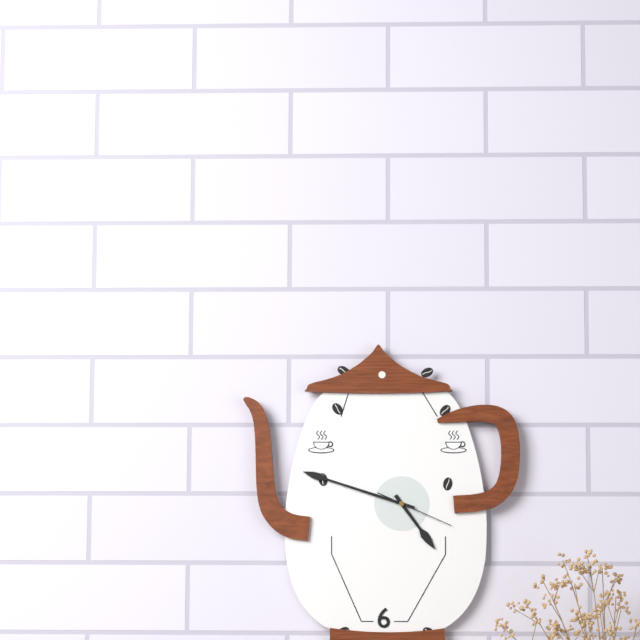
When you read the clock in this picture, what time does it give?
4:48:19
